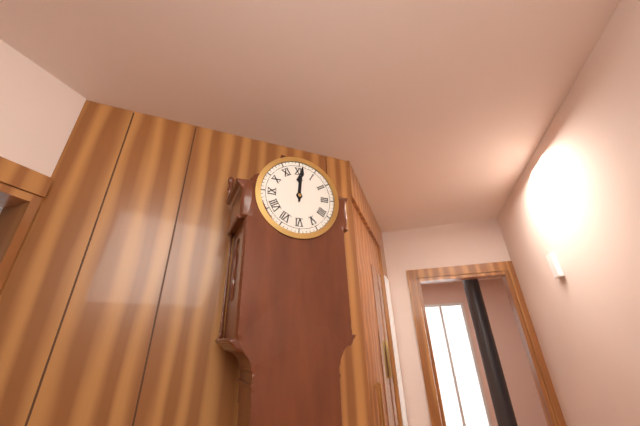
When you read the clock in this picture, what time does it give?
12:01
